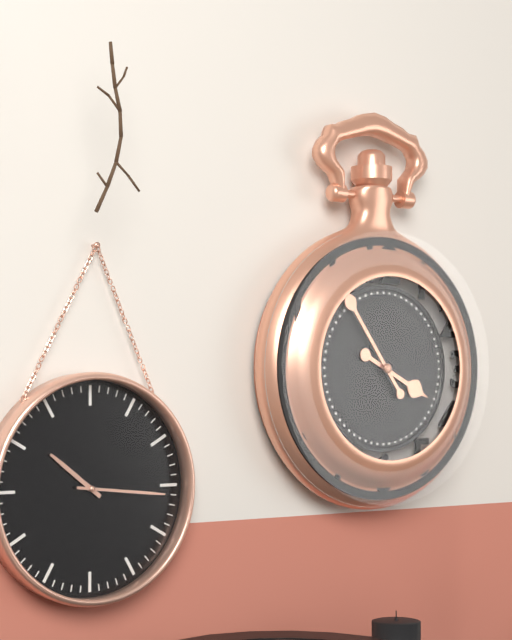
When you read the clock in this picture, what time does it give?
3:54
